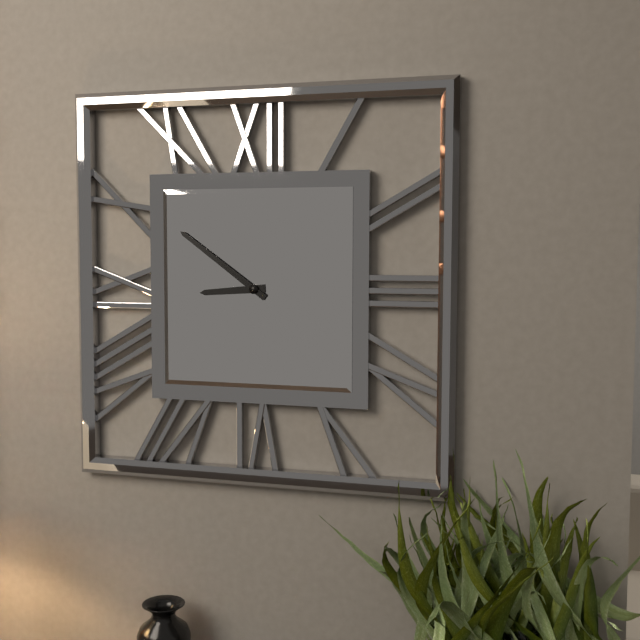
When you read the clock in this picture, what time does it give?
8:51
